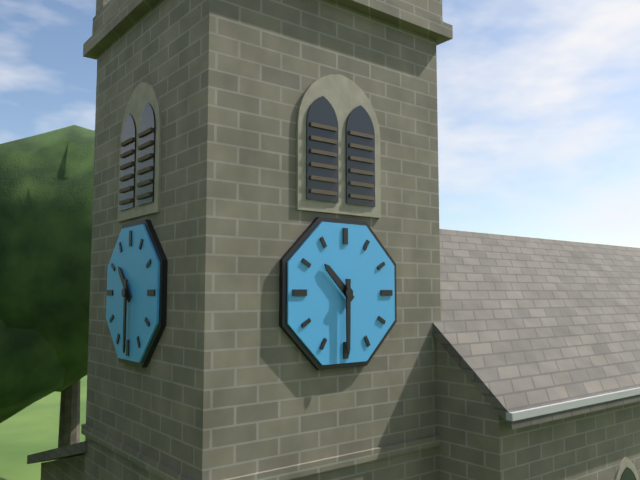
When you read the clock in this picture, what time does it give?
10:30
